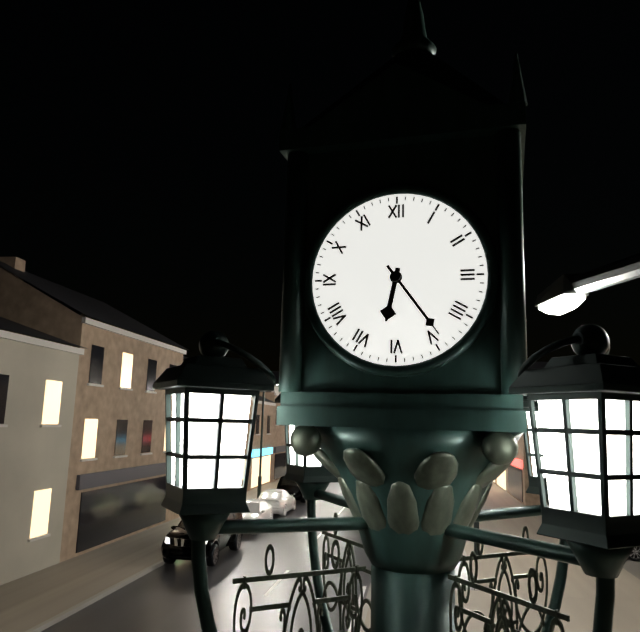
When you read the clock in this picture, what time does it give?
6:24
